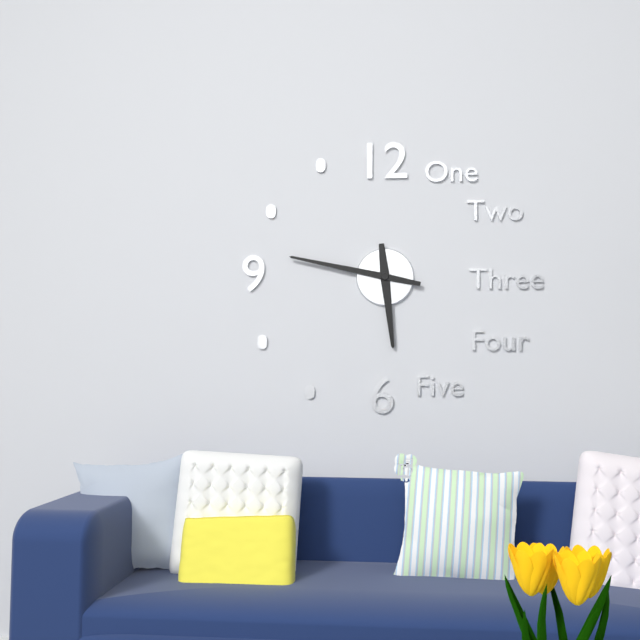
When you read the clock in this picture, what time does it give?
5:47
